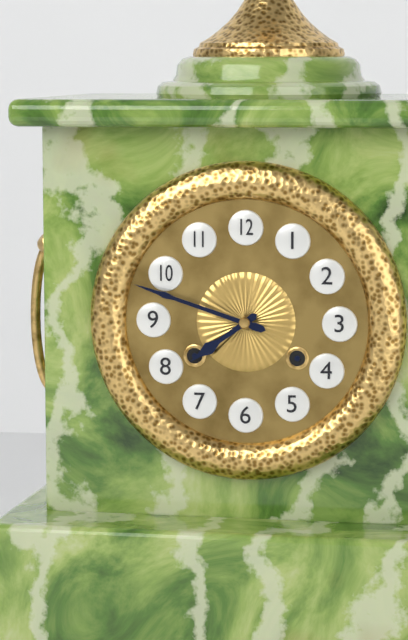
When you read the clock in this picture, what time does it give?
7:48
